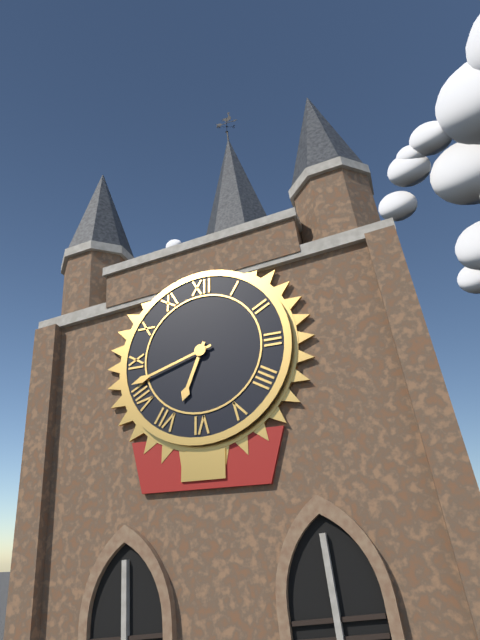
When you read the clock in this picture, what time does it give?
6:42
